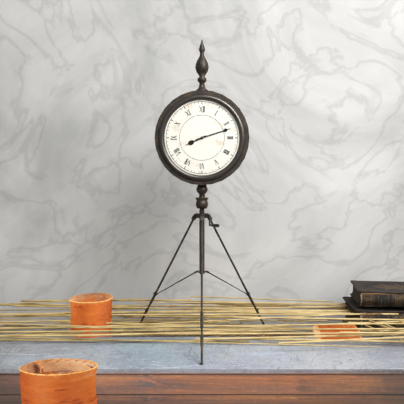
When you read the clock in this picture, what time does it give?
8:12
